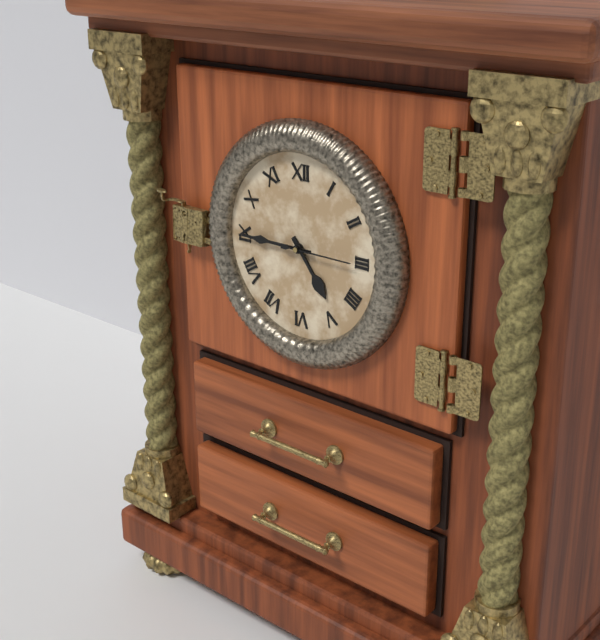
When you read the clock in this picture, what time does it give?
4:45
